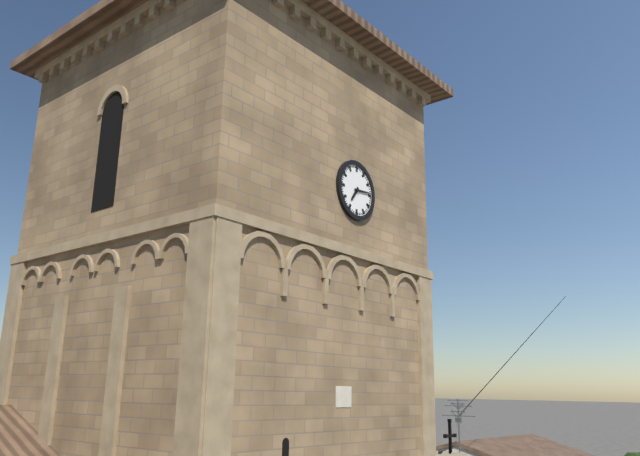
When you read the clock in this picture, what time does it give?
7:14
